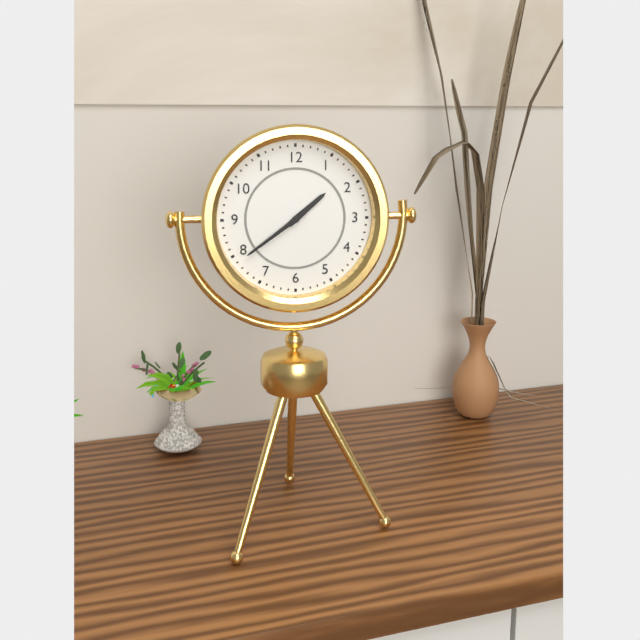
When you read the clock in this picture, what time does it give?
1:39
